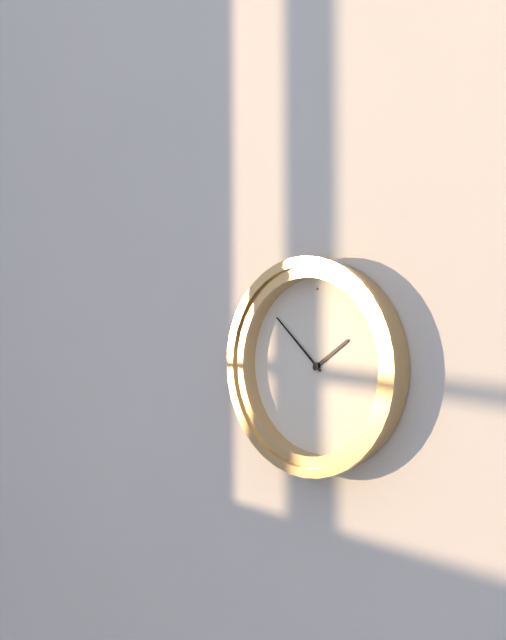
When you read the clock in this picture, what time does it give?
1:52
